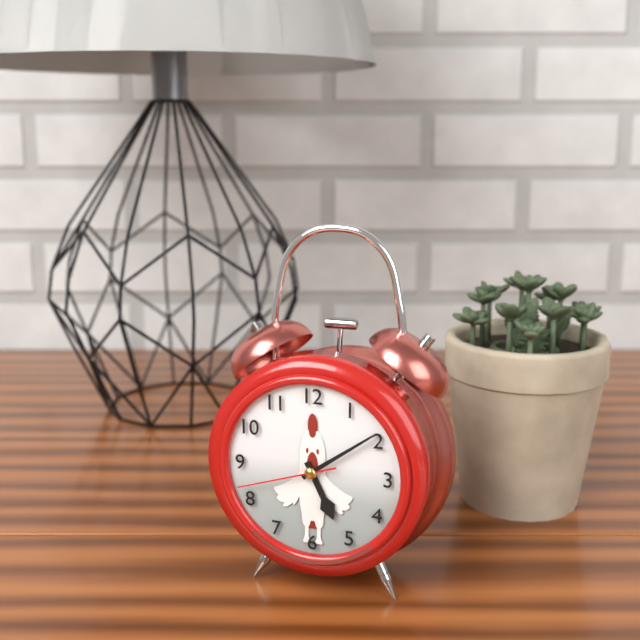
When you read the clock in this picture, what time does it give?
5:09:42
